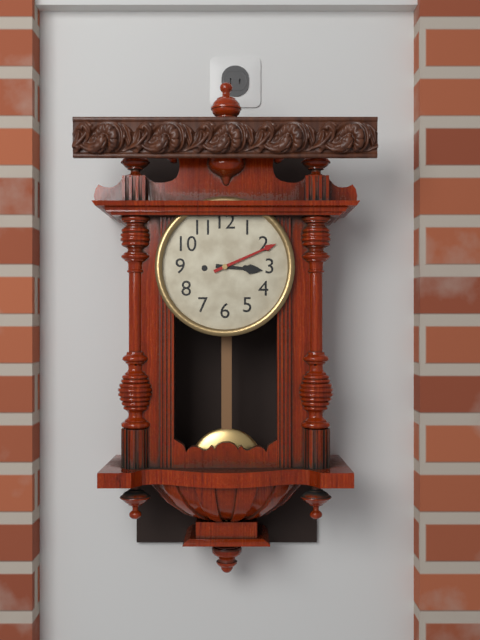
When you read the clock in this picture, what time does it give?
3:11
